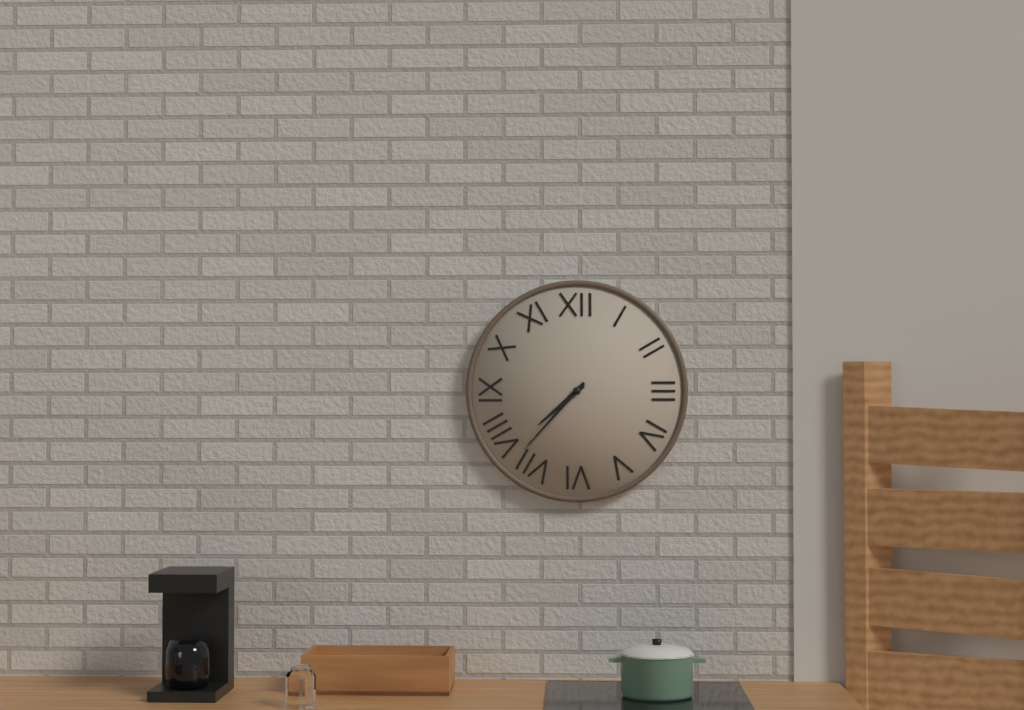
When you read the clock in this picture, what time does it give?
7:37
